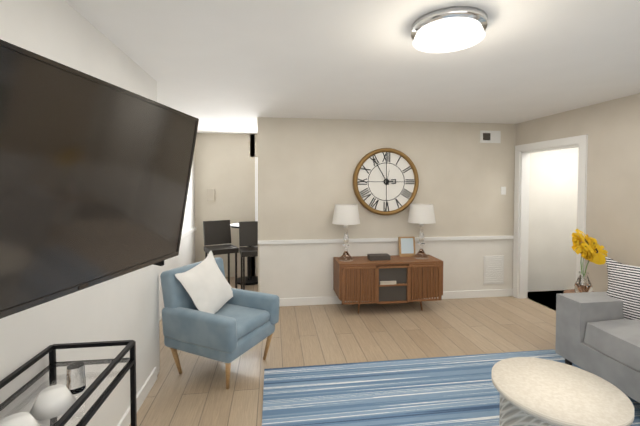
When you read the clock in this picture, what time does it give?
2:55
